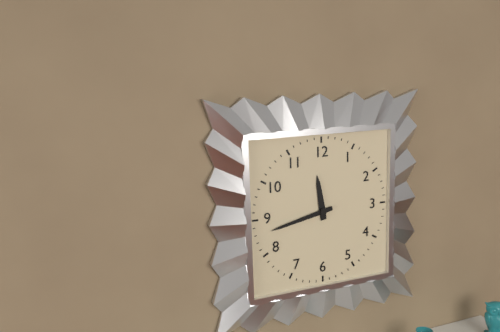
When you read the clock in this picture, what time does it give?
11:43
